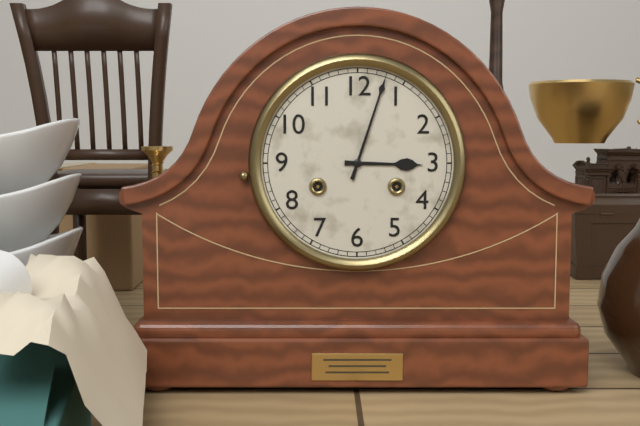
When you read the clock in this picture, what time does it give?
3:03
